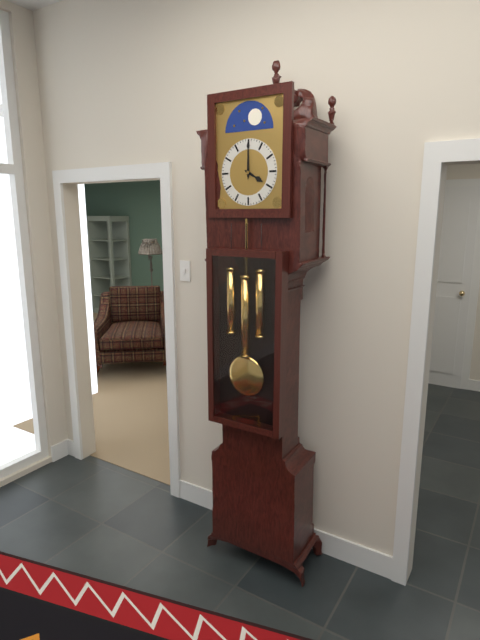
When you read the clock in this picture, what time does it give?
4:00
